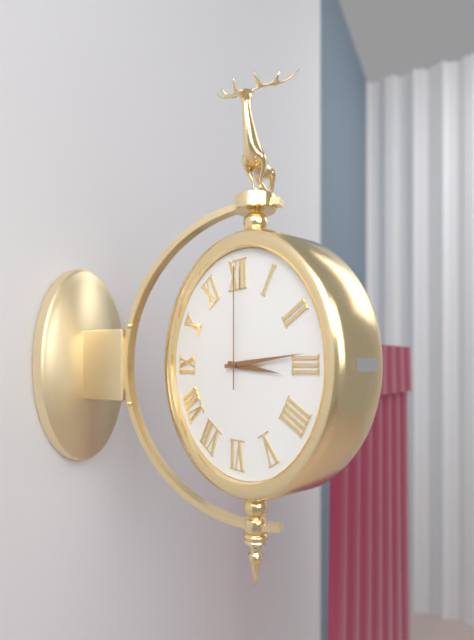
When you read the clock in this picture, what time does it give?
3:14:00
